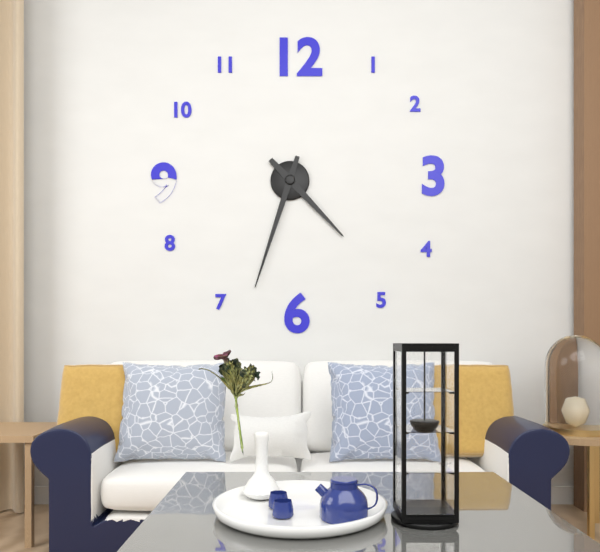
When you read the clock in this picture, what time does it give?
4:33
